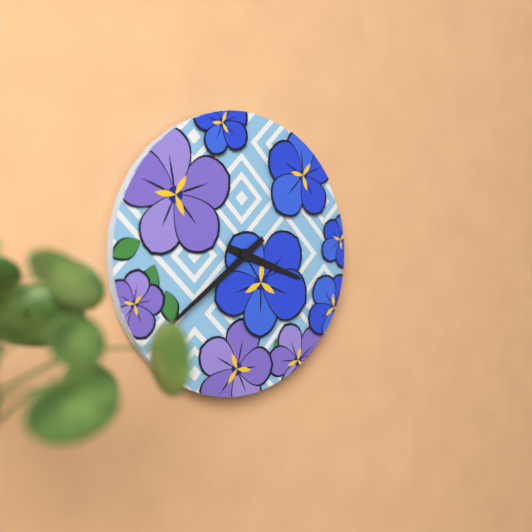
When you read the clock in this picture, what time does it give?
3:39
